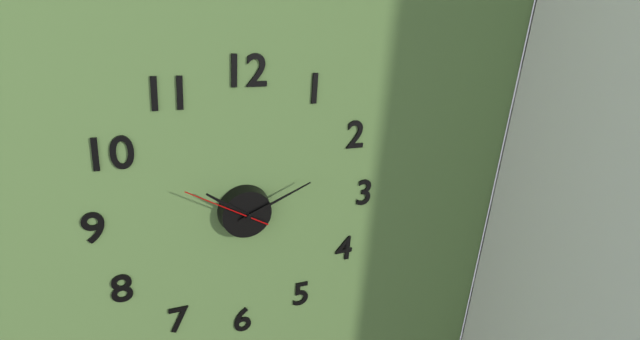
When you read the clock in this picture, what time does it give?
10:11:50
